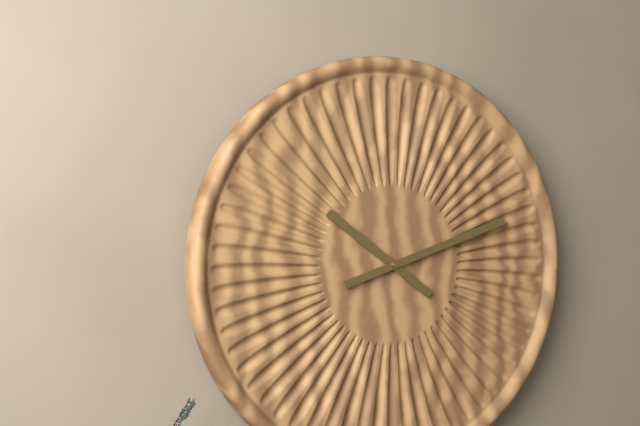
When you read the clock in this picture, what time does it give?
10:12
